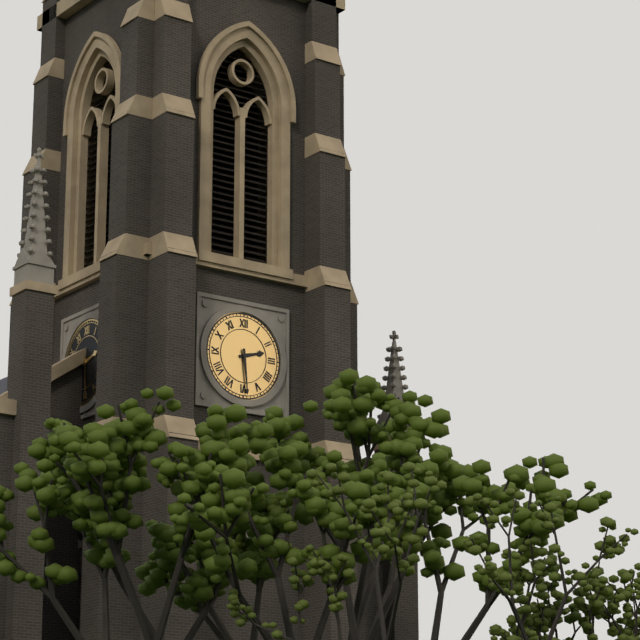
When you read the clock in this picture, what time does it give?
2:29
